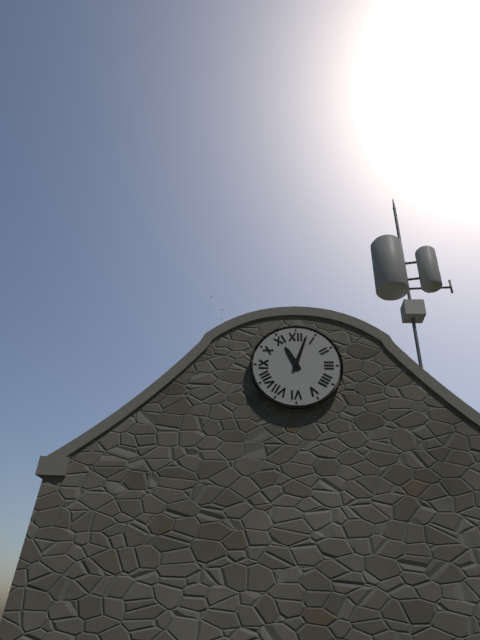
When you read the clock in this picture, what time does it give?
11:03
